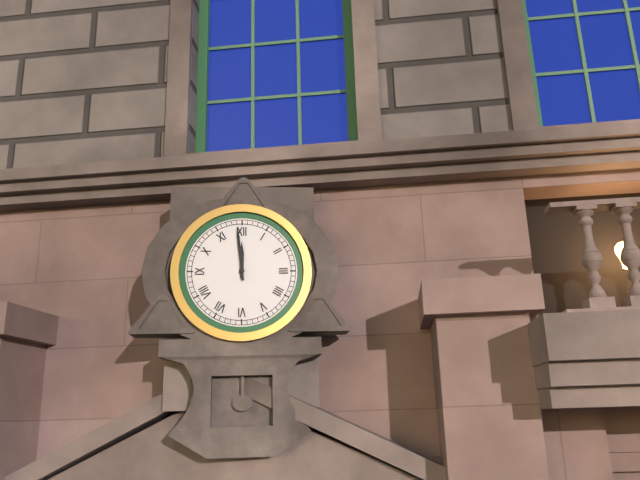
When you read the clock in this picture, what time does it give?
11:59
